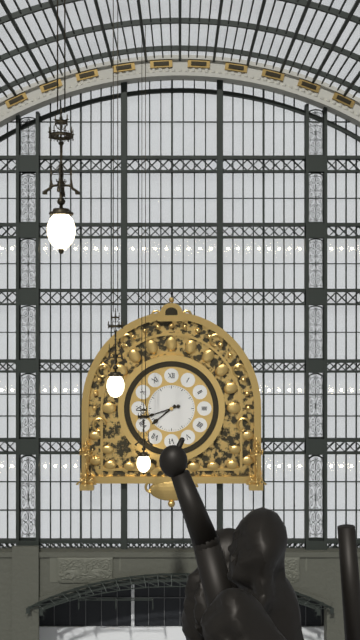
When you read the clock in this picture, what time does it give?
7:42
